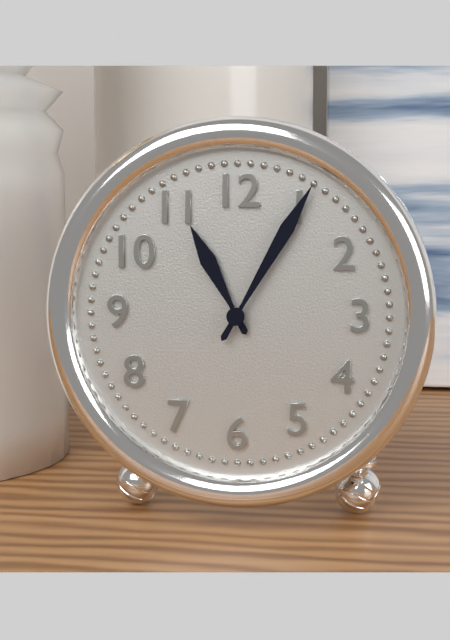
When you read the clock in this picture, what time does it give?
11:05
